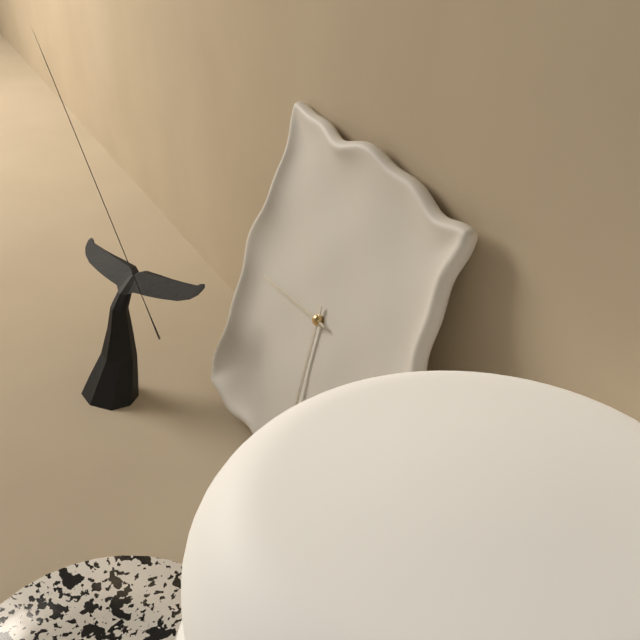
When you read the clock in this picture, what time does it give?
5:44
